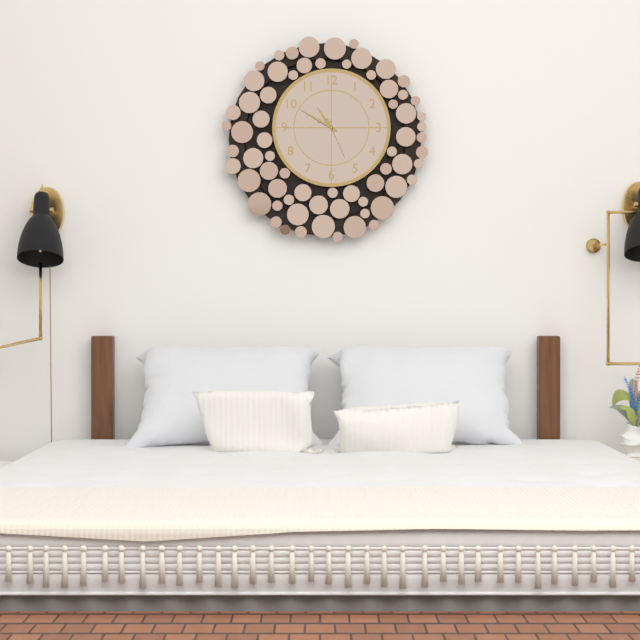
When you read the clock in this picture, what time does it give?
10:50
